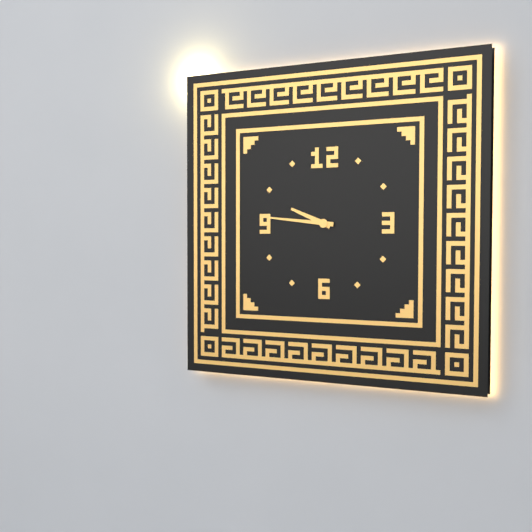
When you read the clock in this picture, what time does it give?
9:46
